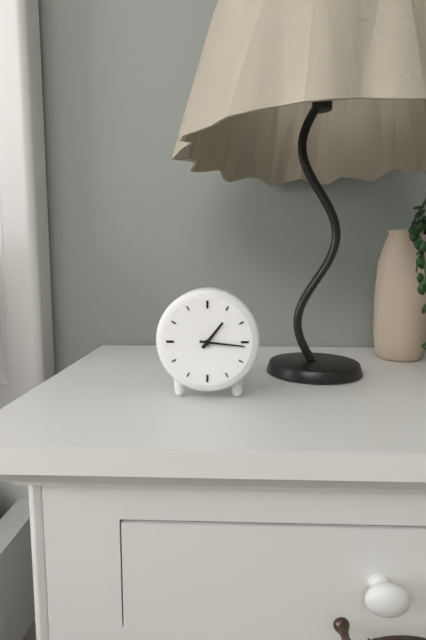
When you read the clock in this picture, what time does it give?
1:16
